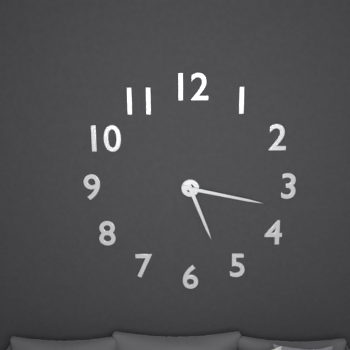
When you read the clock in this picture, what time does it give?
5:17
